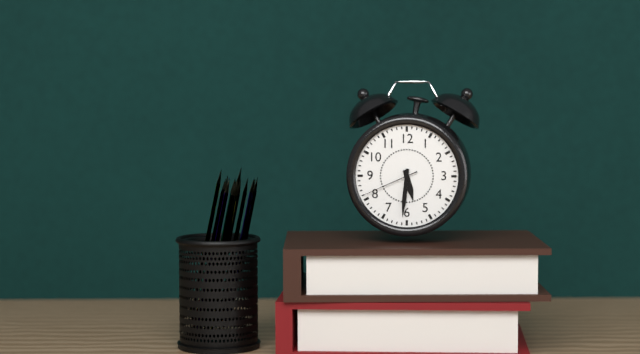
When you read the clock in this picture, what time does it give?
5:31:41
